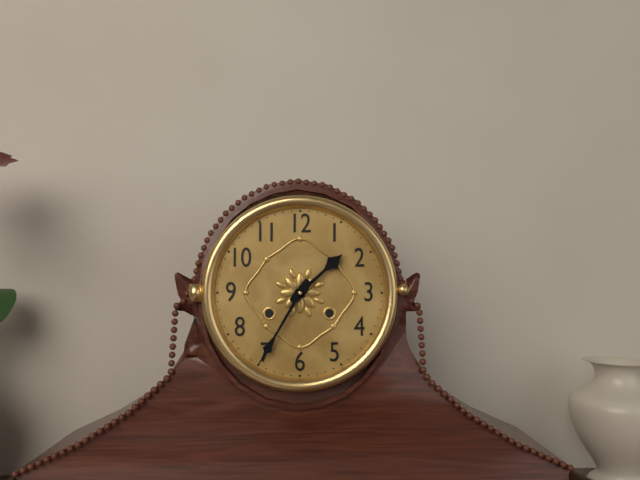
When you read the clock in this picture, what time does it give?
1:35
